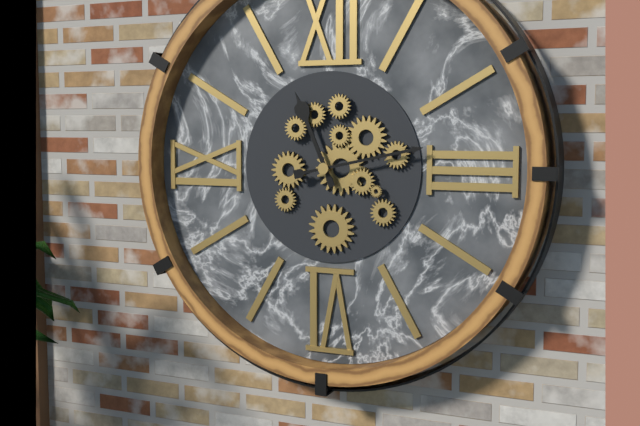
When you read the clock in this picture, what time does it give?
11:13
